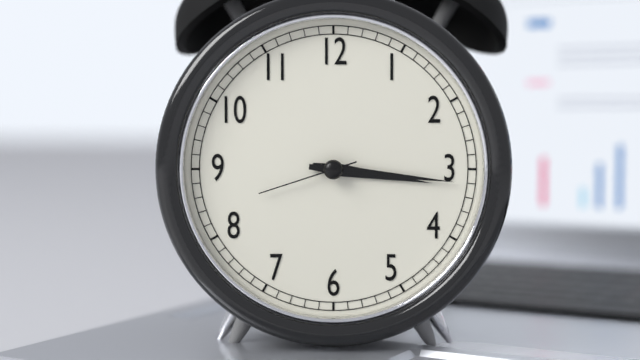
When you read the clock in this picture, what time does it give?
3:16:42
